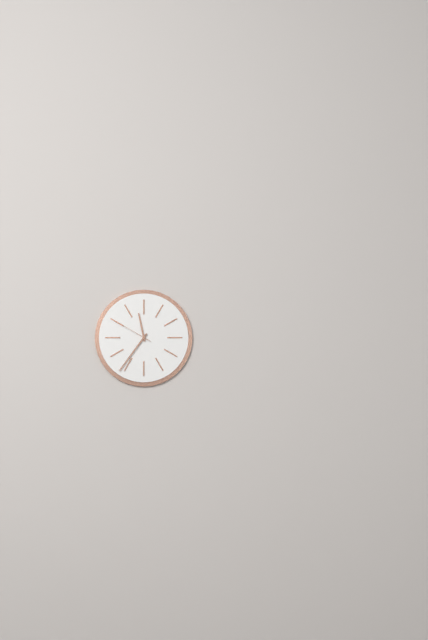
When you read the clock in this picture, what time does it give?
11:36
